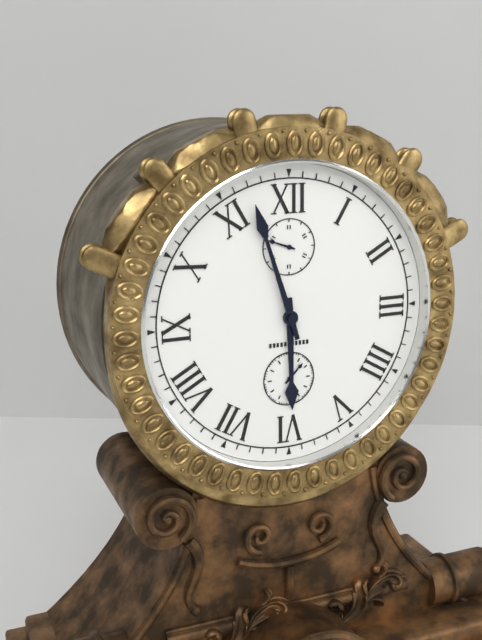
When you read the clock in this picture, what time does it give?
5:57
